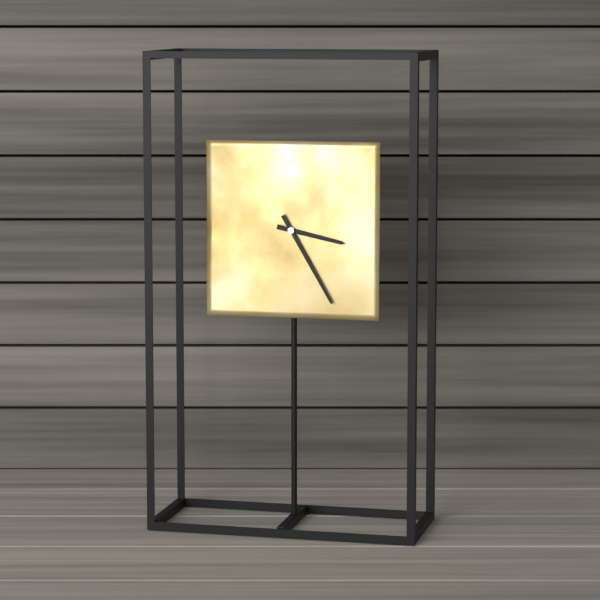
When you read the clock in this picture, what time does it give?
3:25
